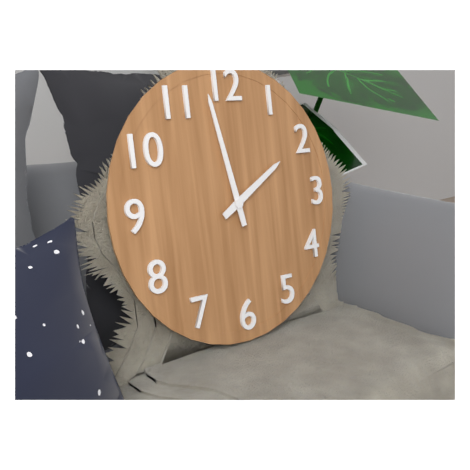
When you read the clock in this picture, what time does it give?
1:58
